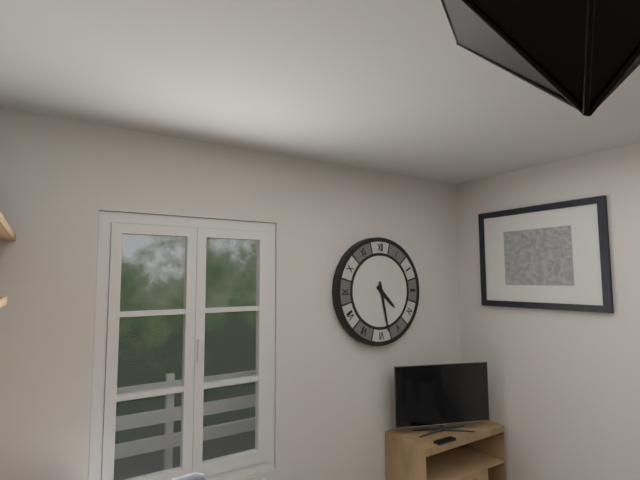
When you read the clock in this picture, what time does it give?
4:28
